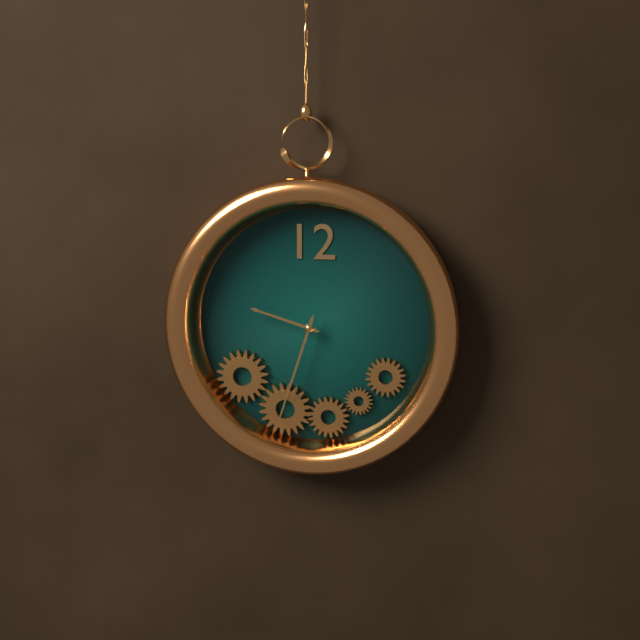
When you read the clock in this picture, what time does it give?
9:33
